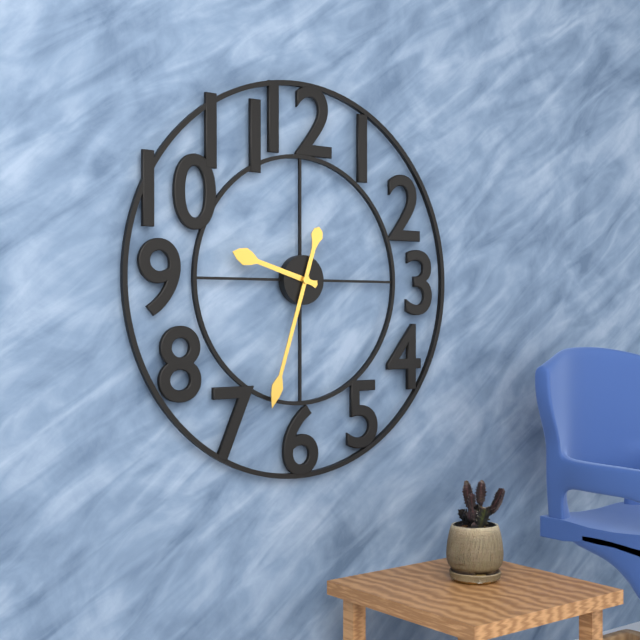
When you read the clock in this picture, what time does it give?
9:33
